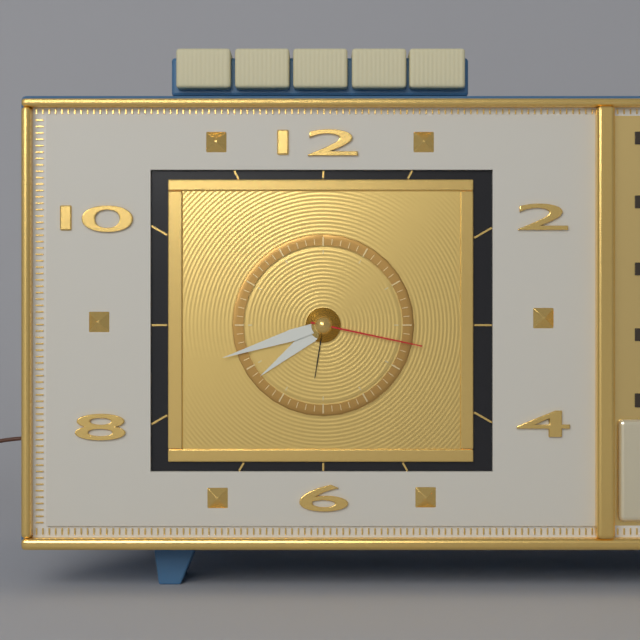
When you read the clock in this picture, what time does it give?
7:42:17
